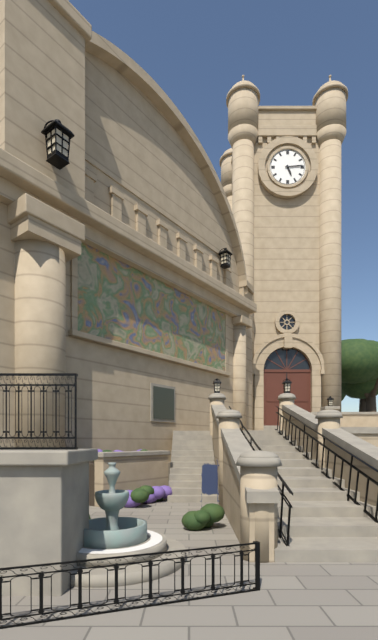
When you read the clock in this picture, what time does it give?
5:14
